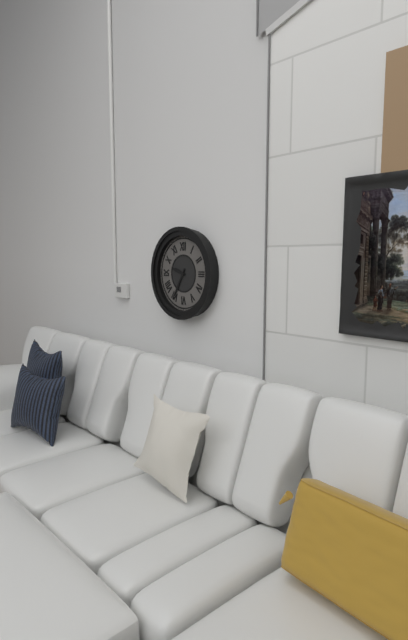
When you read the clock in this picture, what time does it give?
9:35
